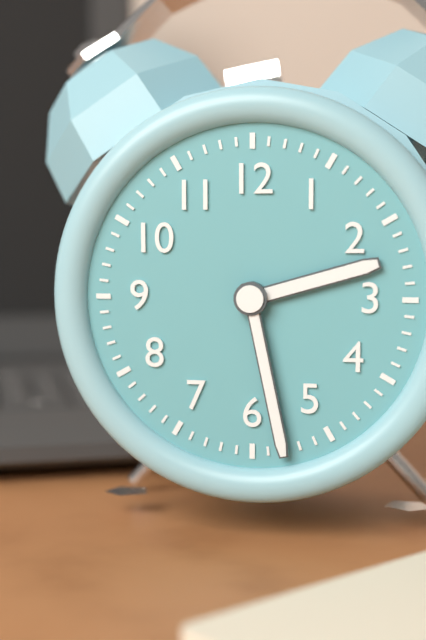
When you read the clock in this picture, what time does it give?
2:28
